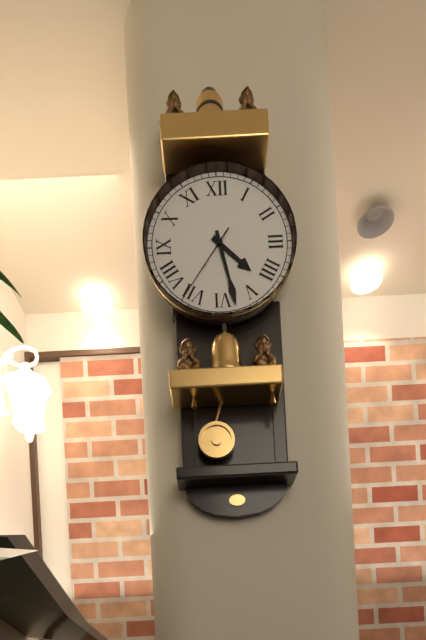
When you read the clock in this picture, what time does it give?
4:28:36
